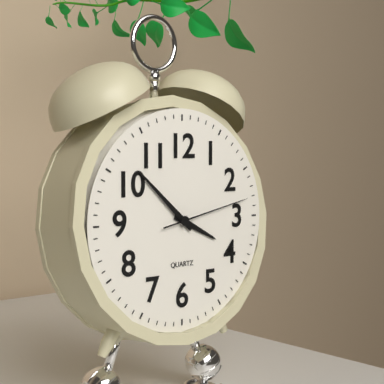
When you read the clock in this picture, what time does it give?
3:52:13
